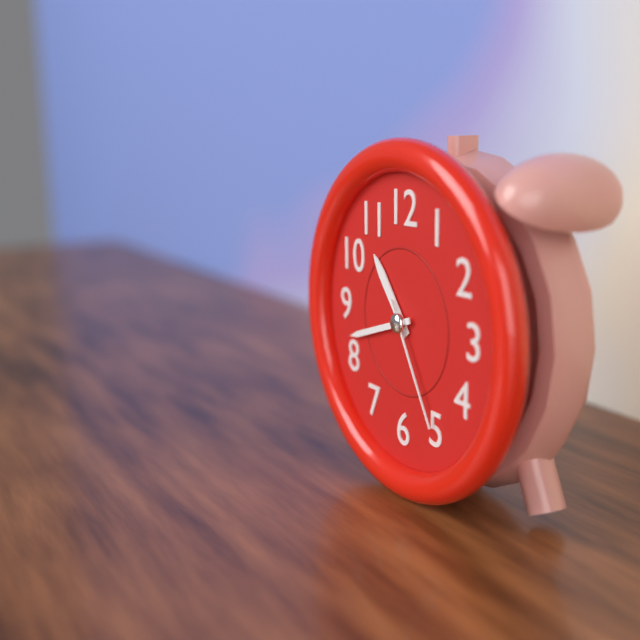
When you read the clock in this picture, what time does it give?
10:42:25
